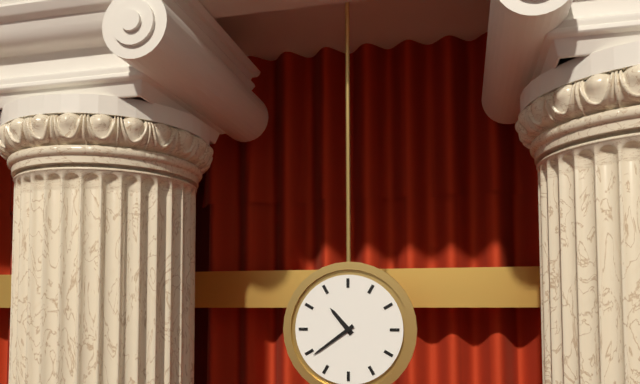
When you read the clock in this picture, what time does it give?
10:39
